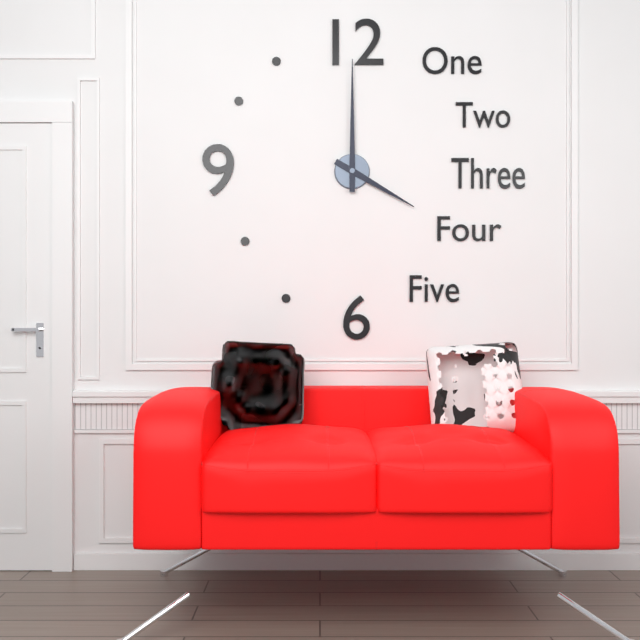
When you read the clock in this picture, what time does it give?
4:00
